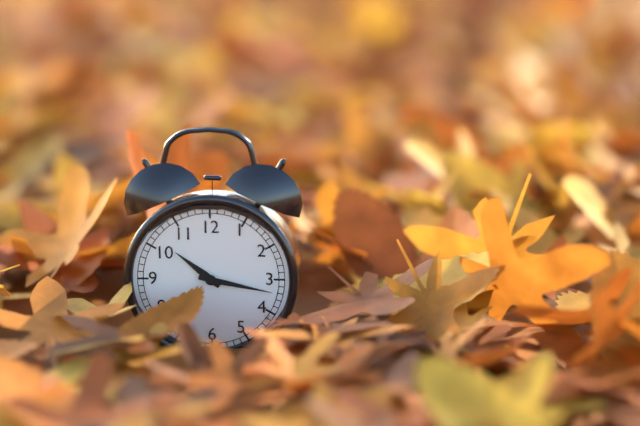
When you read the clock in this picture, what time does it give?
10:17
